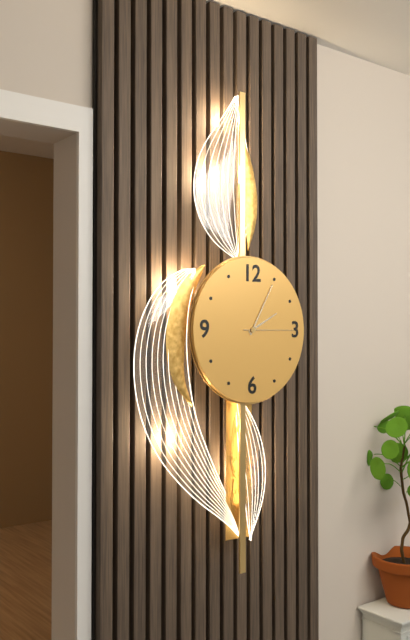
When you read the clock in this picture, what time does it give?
2:05:15
